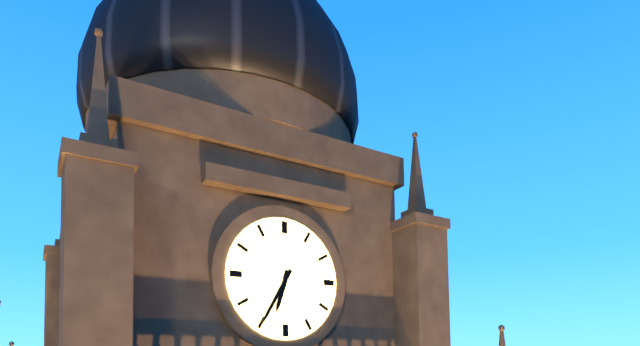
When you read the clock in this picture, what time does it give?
6:35
